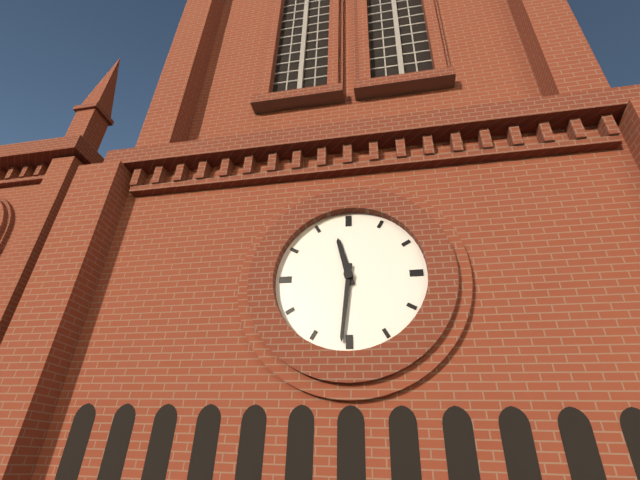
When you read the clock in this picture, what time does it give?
11:31
